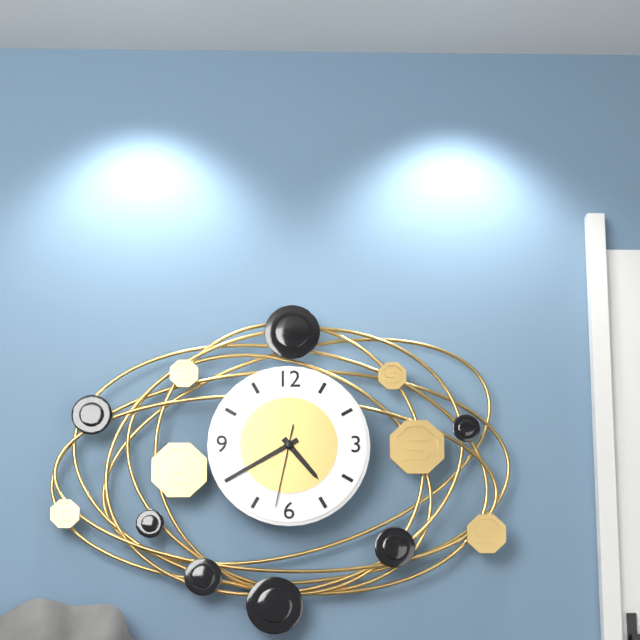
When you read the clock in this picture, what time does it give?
4:40:32
